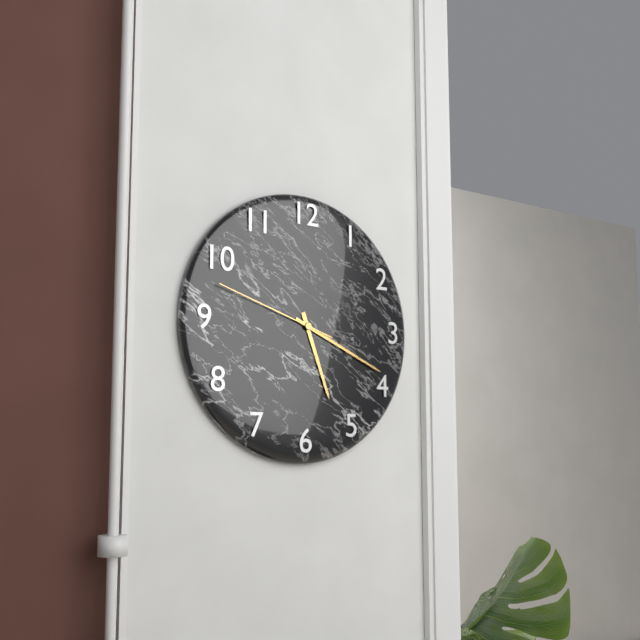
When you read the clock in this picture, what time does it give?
5:19:48
